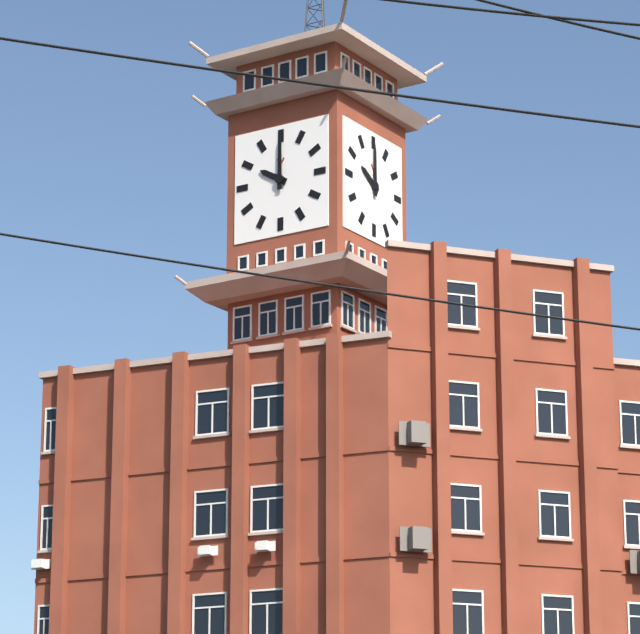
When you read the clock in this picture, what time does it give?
10:00
